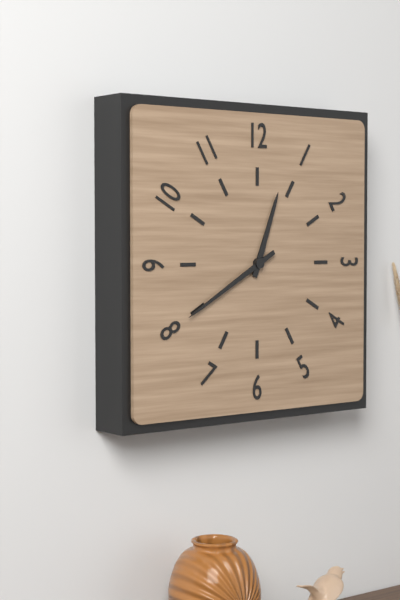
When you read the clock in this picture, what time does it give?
12:40
